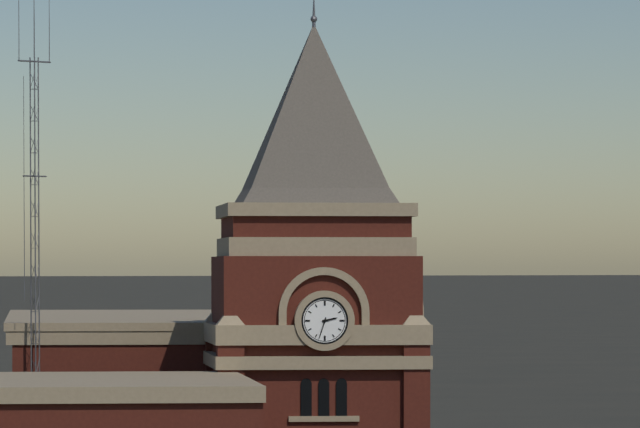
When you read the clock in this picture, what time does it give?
2:33
